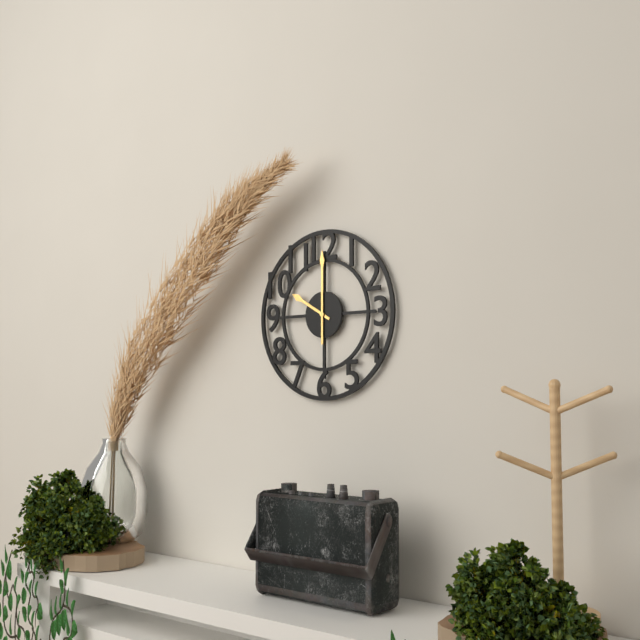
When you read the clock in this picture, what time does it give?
10:00
